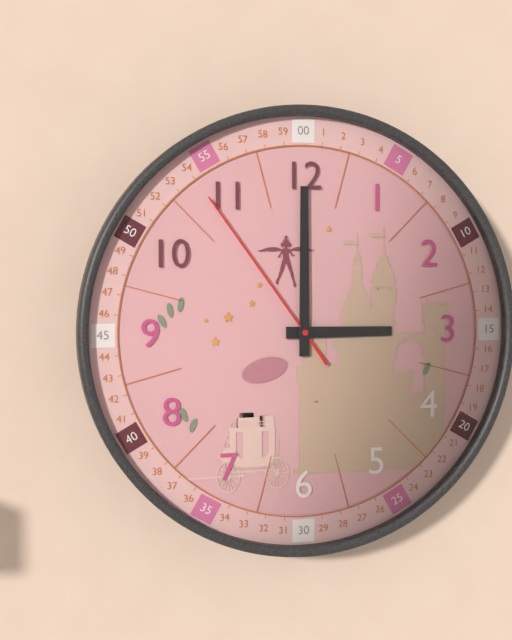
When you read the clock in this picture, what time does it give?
3:00:54
